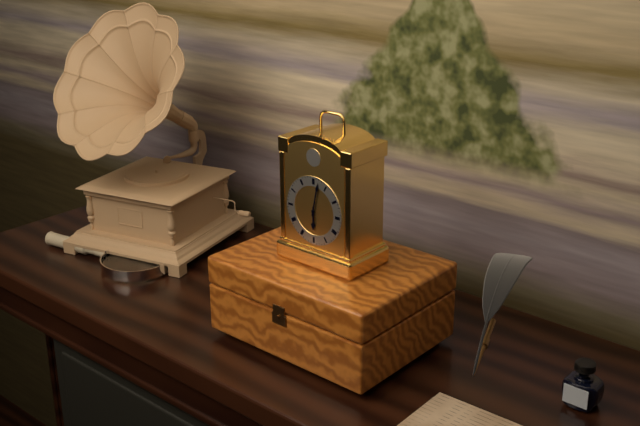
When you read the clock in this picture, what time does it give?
6:02
